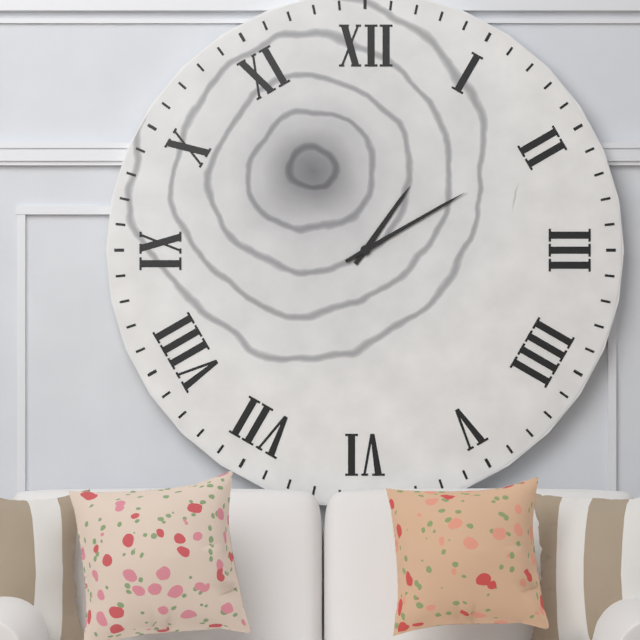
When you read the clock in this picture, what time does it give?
1:10
